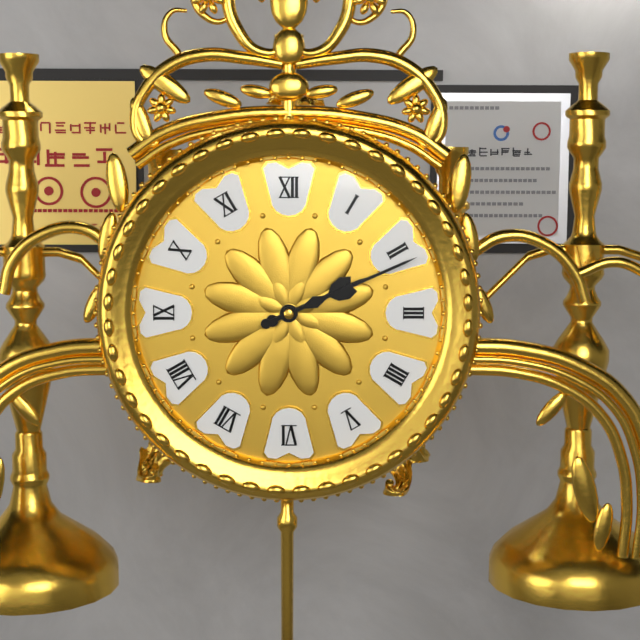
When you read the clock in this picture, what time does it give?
2:11
